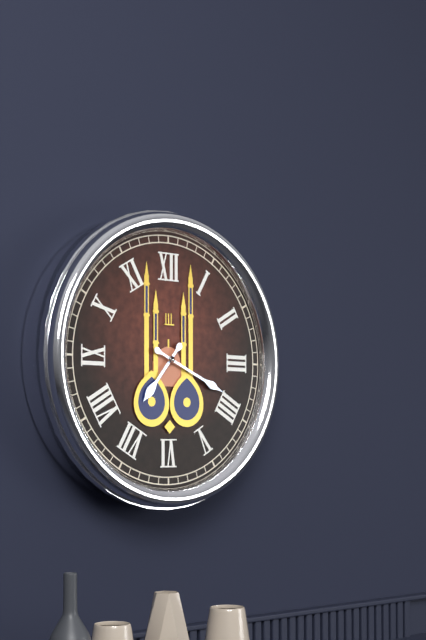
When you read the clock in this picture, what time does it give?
7:19
